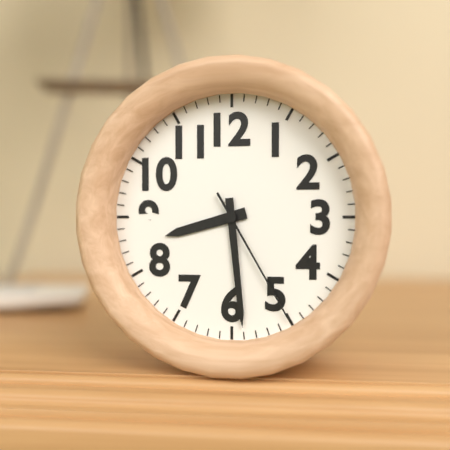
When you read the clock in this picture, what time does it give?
8:29:25
